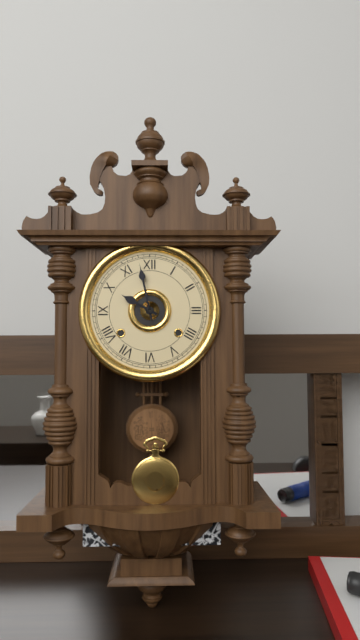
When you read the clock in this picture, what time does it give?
9:58
